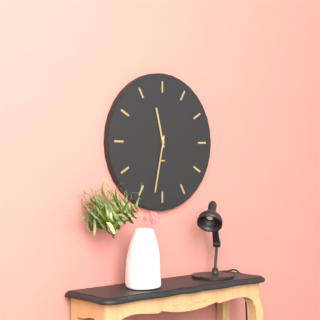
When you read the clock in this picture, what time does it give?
11:32
